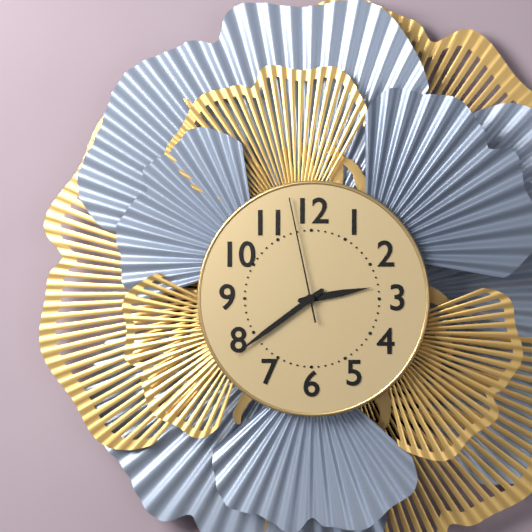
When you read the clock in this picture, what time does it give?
2:39:58
